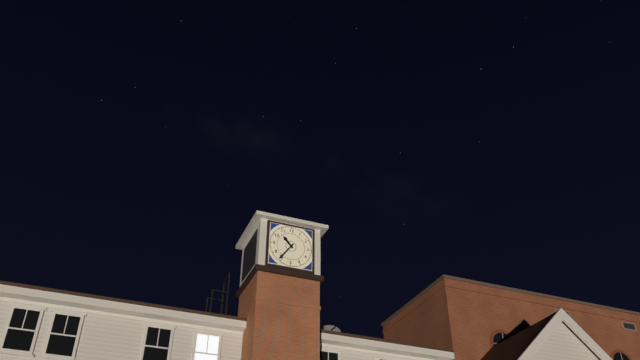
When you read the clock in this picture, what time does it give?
10:36
